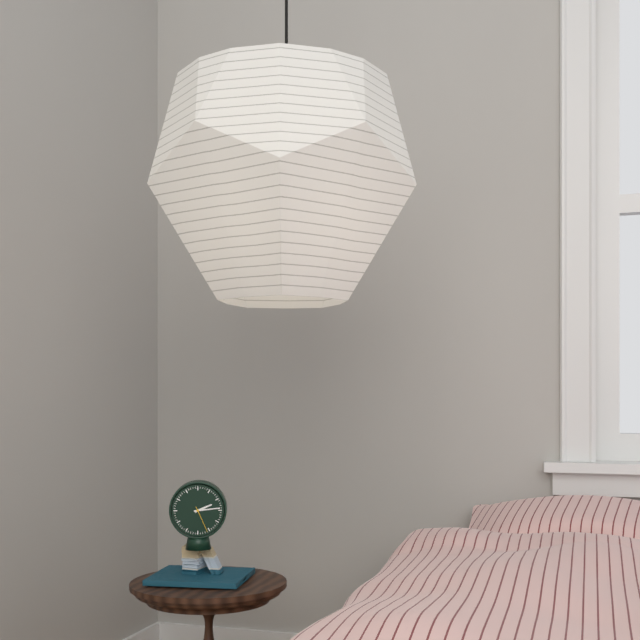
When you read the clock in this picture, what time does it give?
2:14
